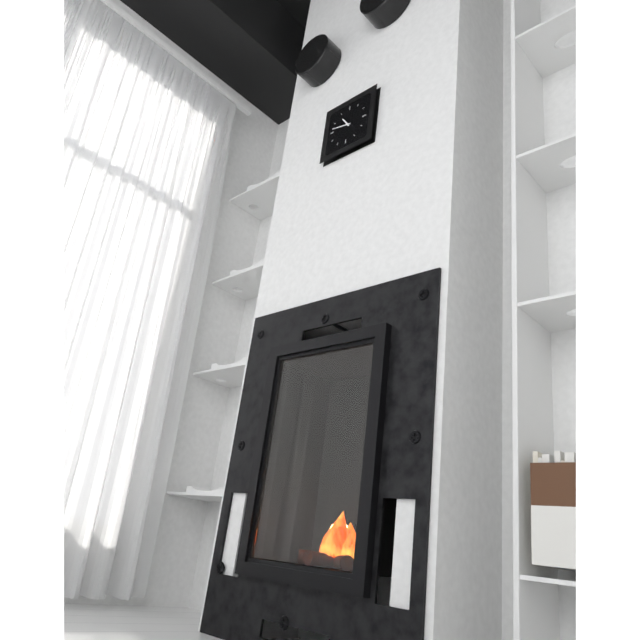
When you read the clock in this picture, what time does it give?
10:47
